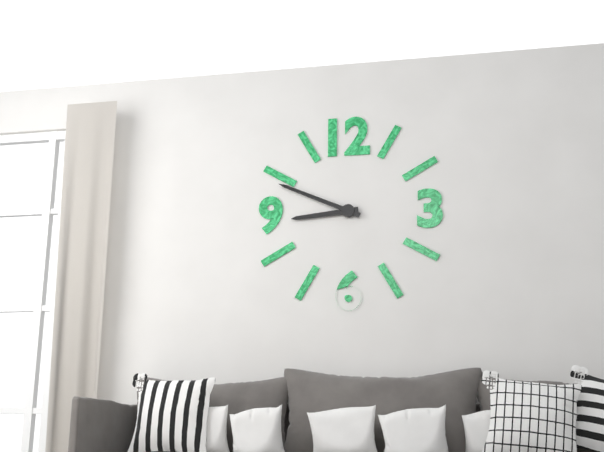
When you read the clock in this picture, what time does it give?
8:49
